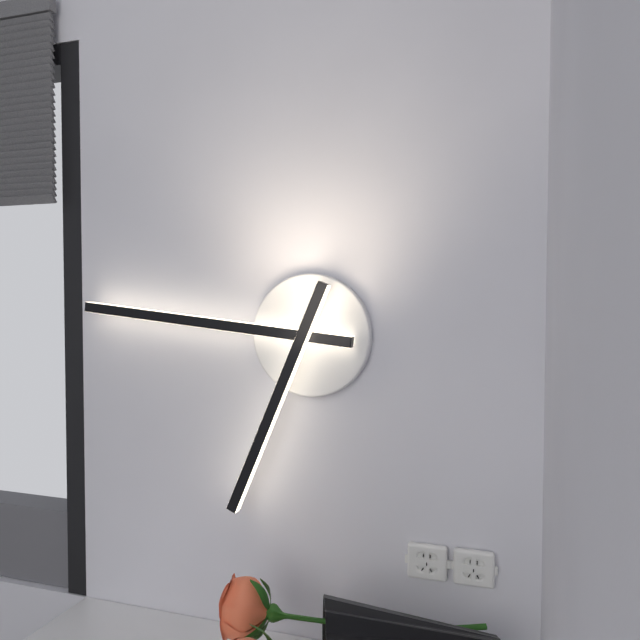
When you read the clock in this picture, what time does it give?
6:46
